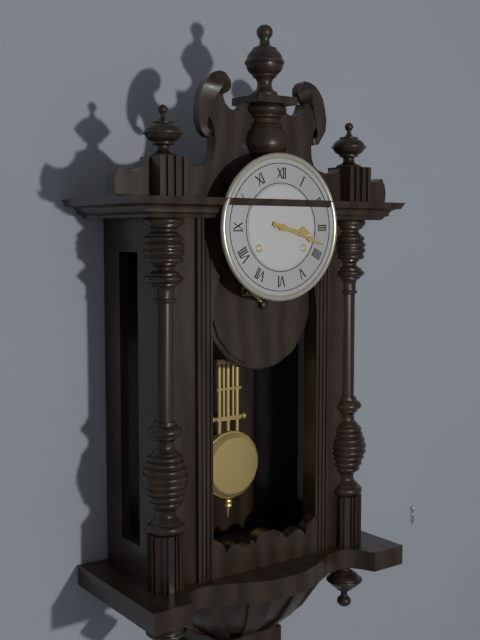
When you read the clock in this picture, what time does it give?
3:18
